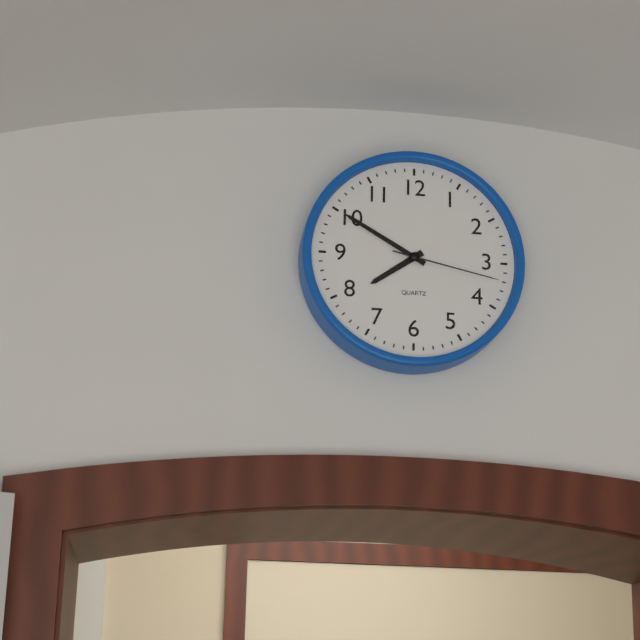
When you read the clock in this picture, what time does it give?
7:50:17
